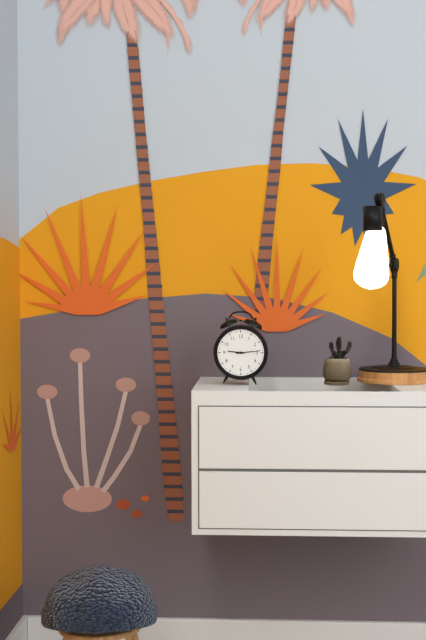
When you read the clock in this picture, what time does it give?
9:14
